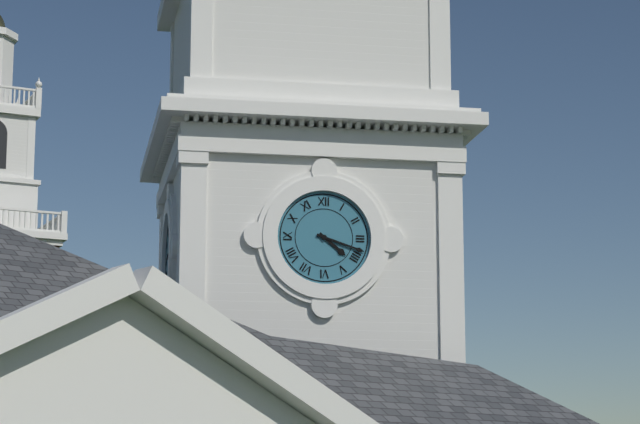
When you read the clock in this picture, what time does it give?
4:18
